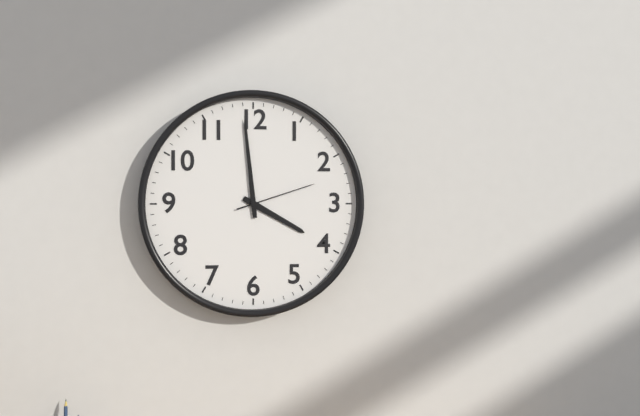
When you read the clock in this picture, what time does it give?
3:59:12
